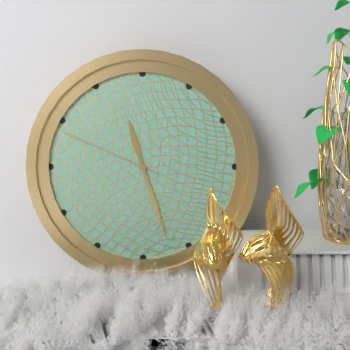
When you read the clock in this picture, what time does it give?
11:27:49
